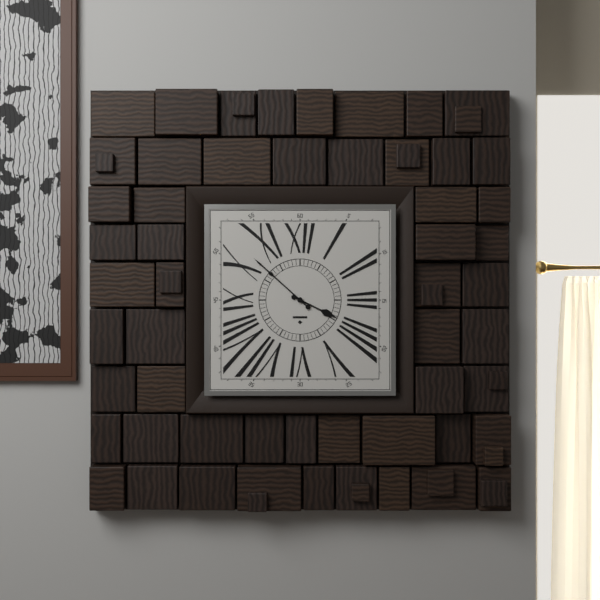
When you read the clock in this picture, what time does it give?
3:52
